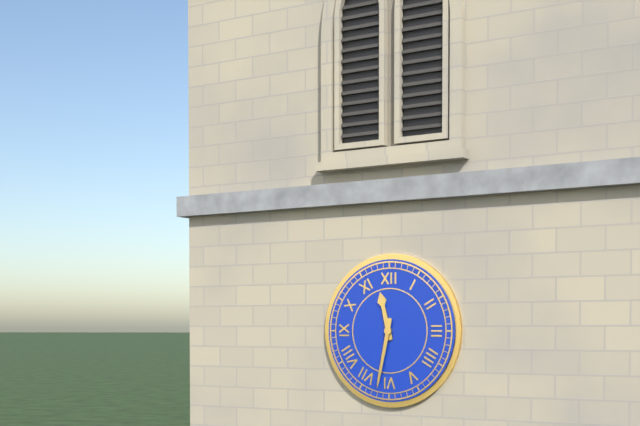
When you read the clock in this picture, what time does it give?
11:32
